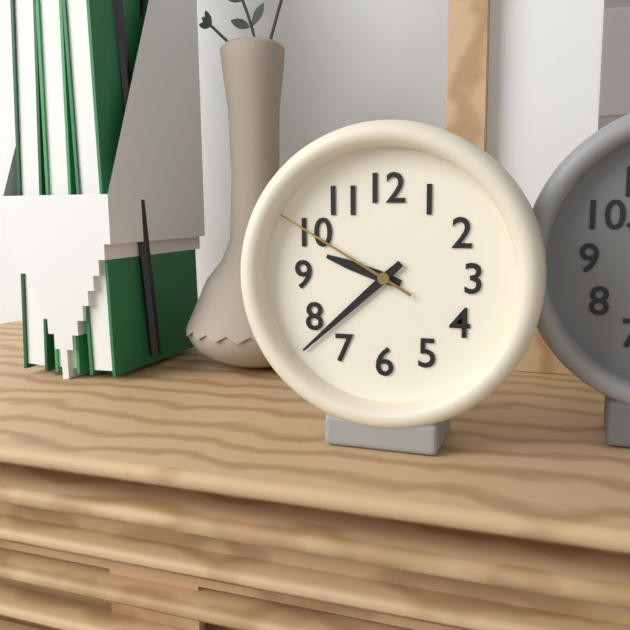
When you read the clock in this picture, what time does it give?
9:38:50
